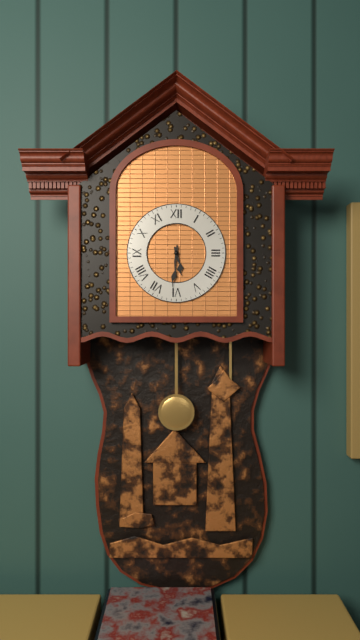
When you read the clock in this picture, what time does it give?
5:31
